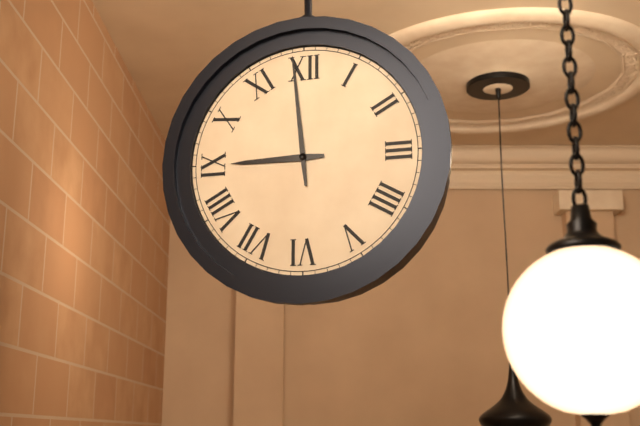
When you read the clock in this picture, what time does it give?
8:59
